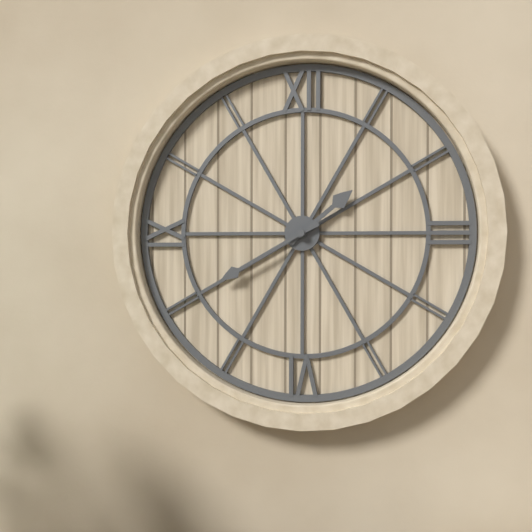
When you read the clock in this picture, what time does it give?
1:40
